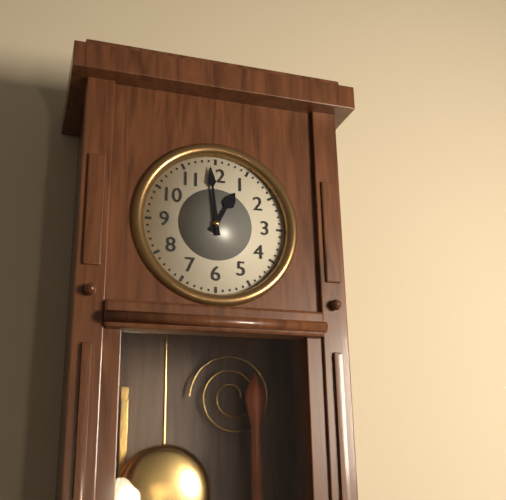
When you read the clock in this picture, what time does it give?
12:59
